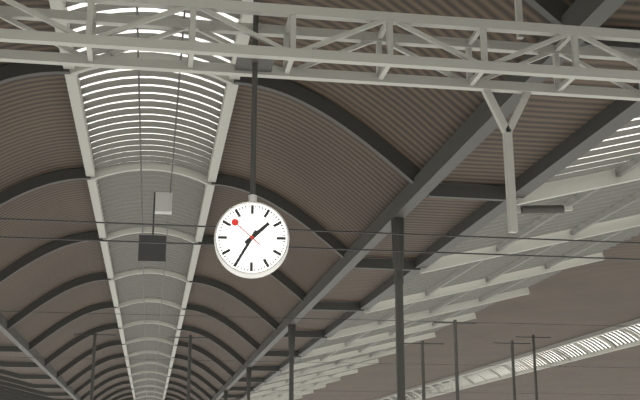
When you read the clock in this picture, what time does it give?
1:35
